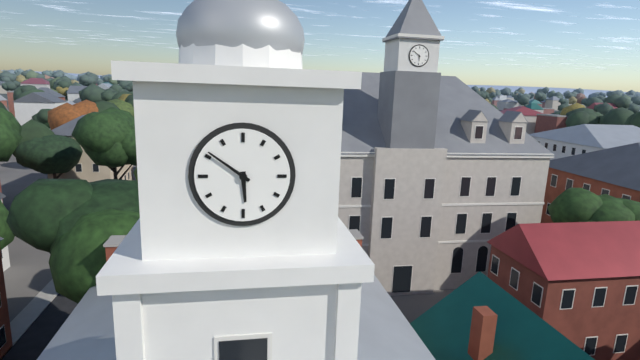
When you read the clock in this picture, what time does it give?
5:51
